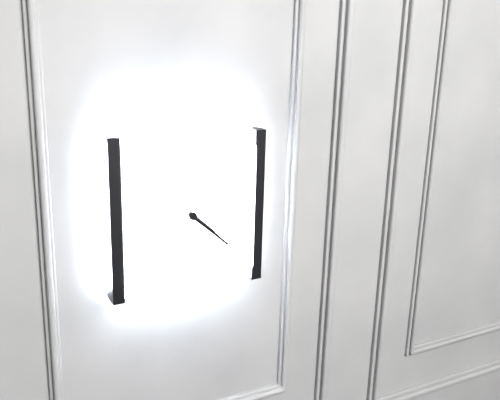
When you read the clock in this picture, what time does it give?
4:22
